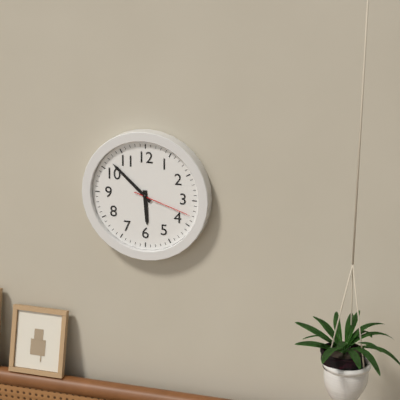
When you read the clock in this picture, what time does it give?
5:52:18
